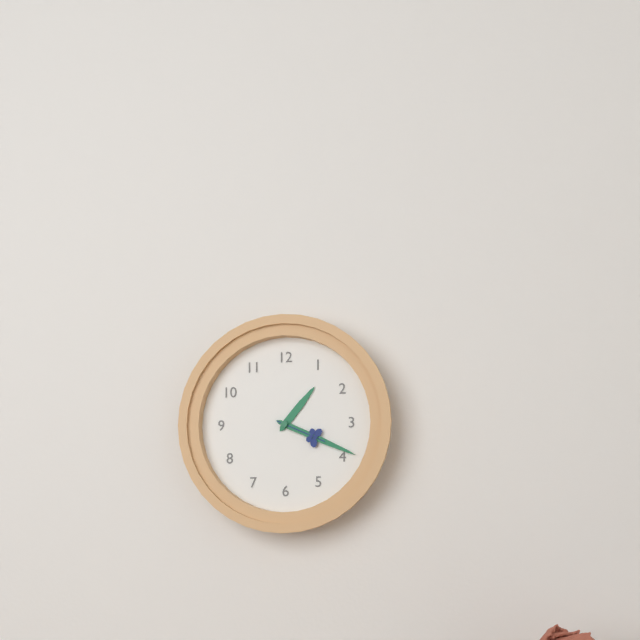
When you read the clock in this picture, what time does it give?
1:19:19
